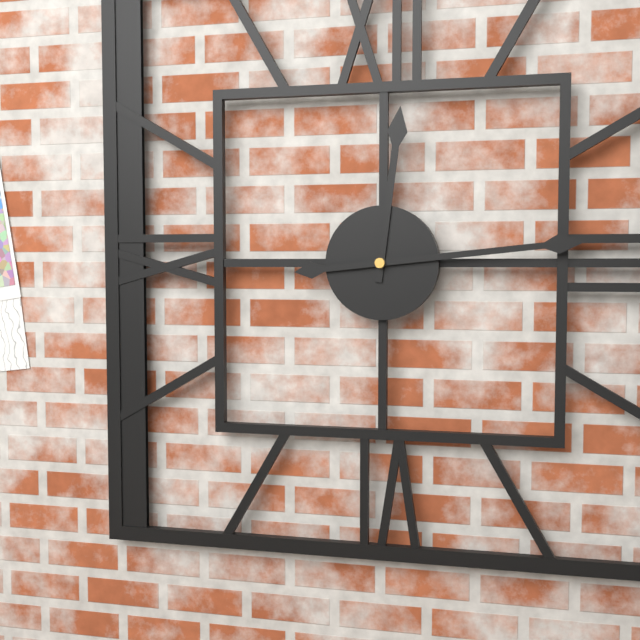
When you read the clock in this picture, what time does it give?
12:14
